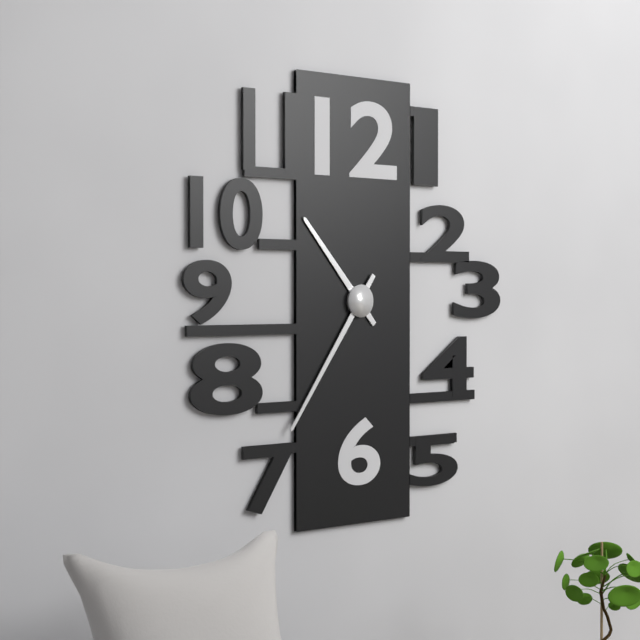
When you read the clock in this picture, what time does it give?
10:36
